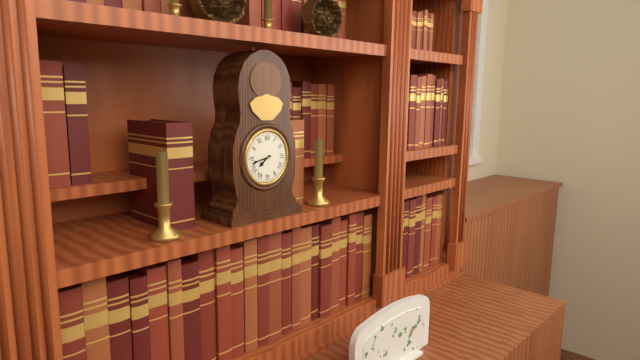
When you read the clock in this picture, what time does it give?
7:43
